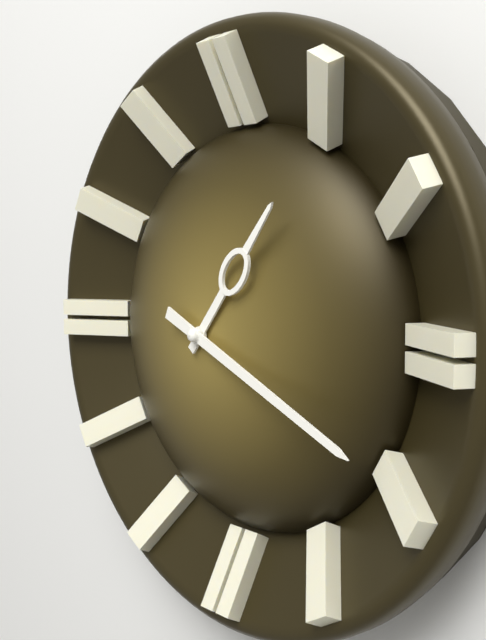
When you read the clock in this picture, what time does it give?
1:19
